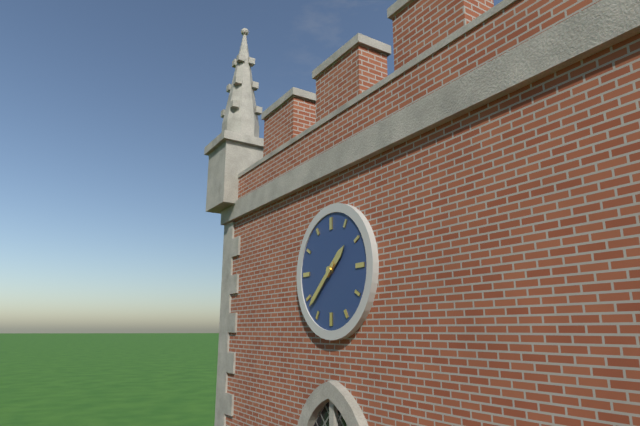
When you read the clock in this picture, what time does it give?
1:38
